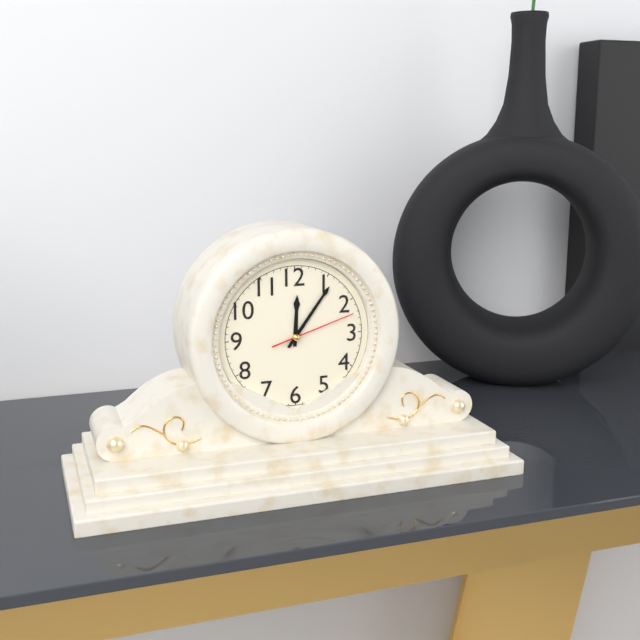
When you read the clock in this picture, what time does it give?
12:06:12
